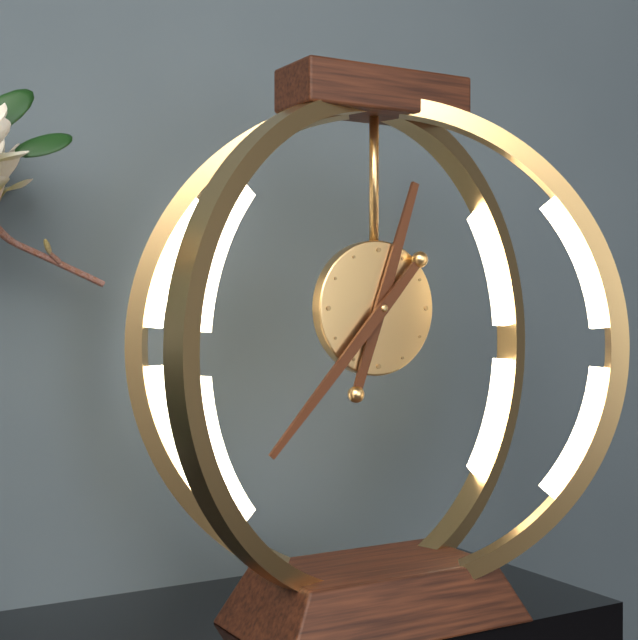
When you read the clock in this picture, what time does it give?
12:37
